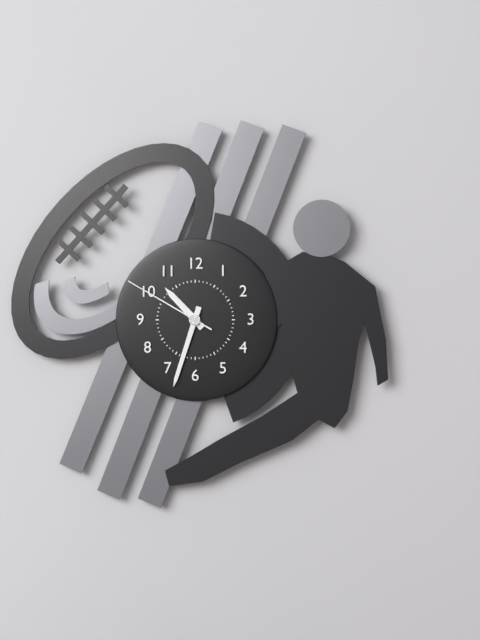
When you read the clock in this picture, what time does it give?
10:33:50
